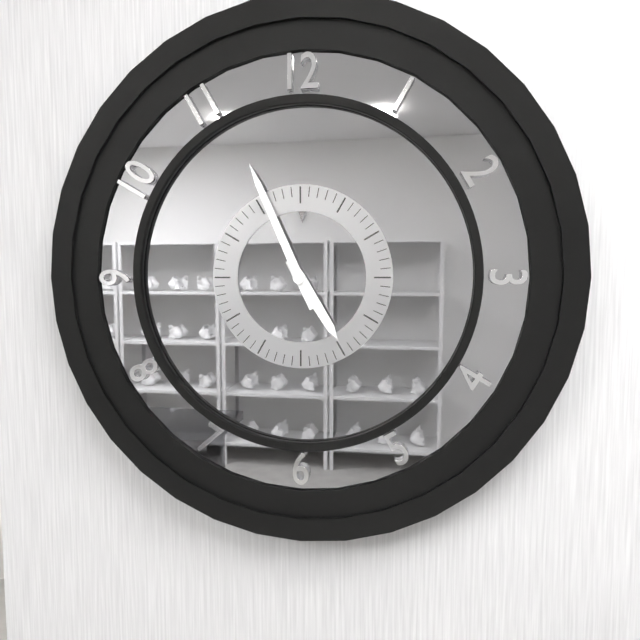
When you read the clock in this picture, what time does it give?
4:56
